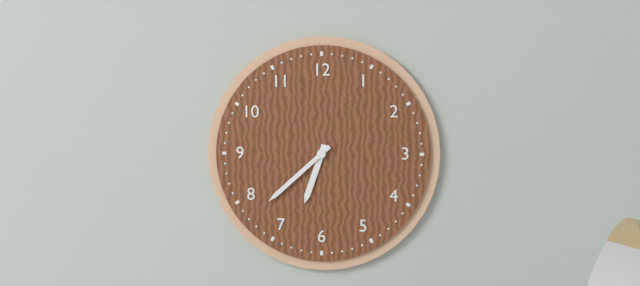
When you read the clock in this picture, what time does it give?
6:38
